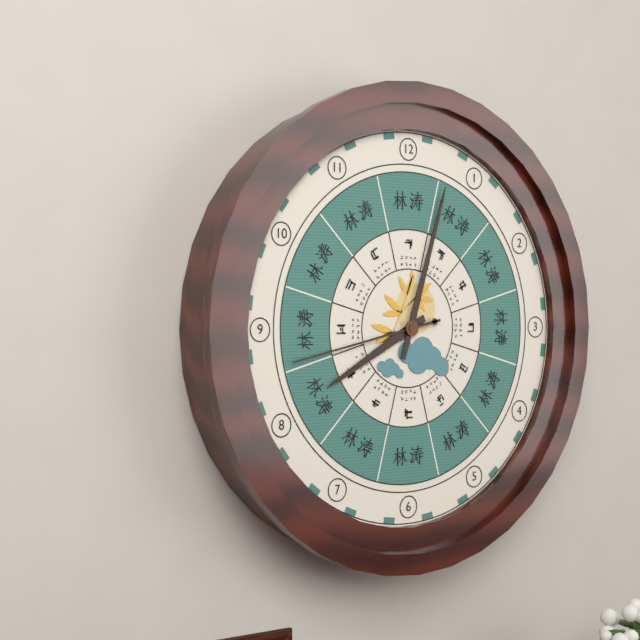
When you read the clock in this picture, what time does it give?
8:03:43
